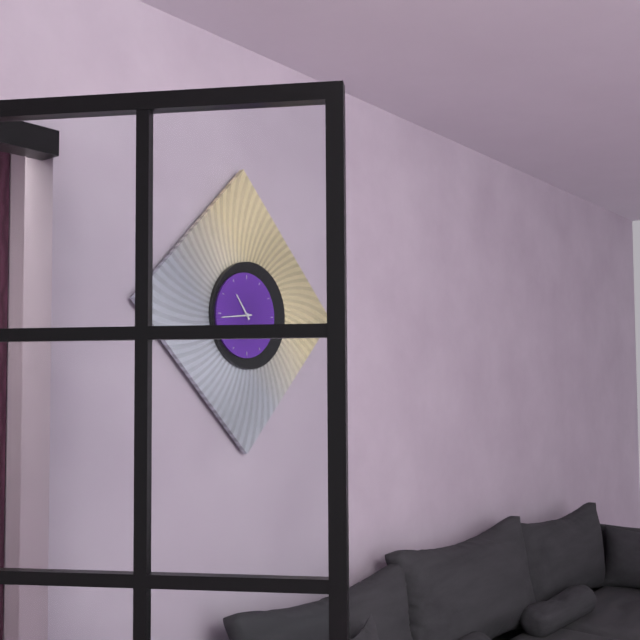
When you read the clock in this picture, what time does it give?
10:44
